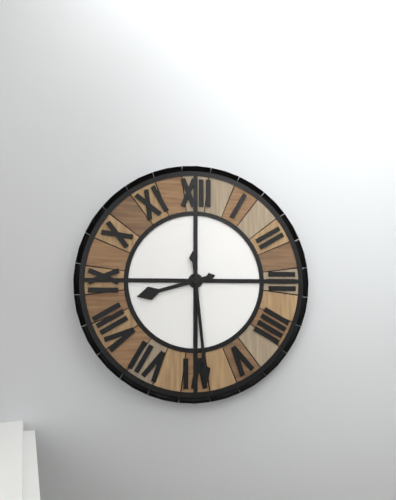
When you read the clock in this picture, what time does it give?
8:29
